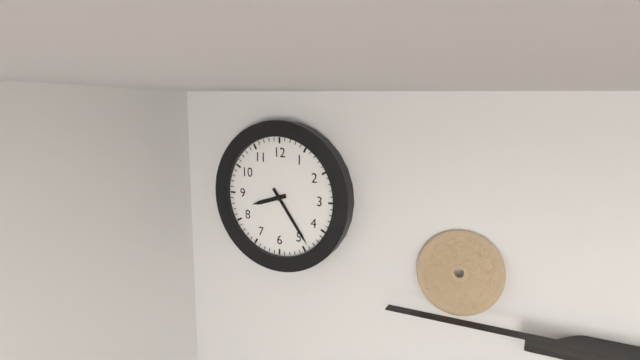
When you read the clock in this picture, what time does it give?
8:24
